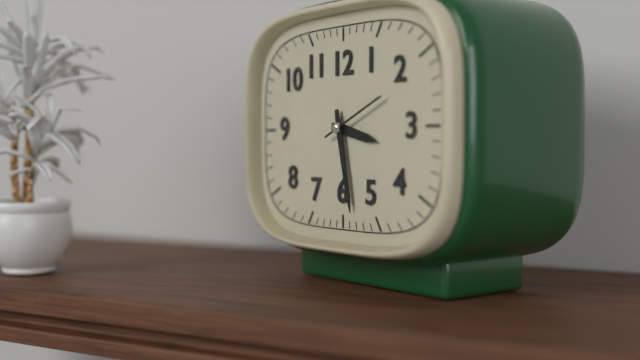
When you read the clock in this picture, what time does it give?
3:28:11
